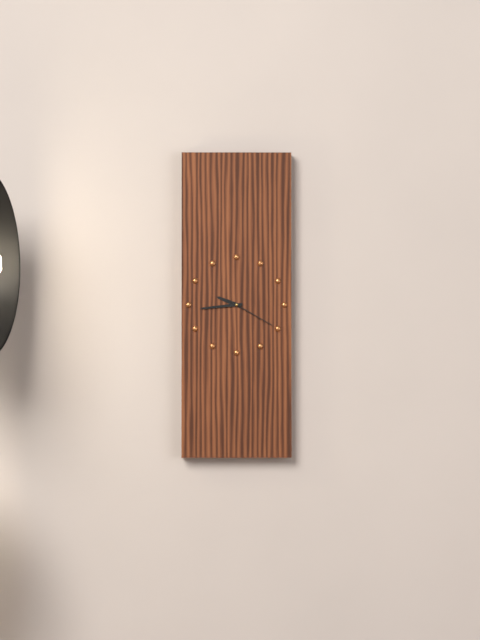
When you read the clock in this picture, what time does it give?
9:44:20
